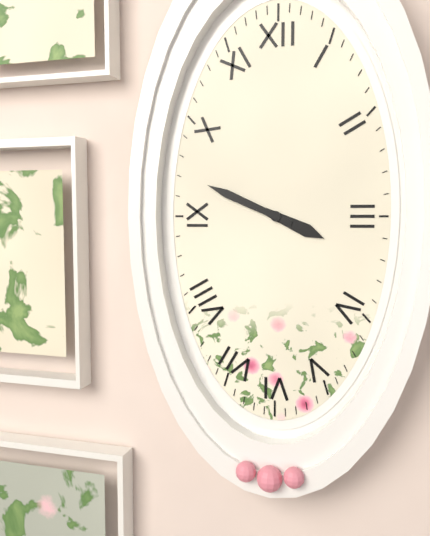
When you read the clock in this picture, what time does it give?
3:49
